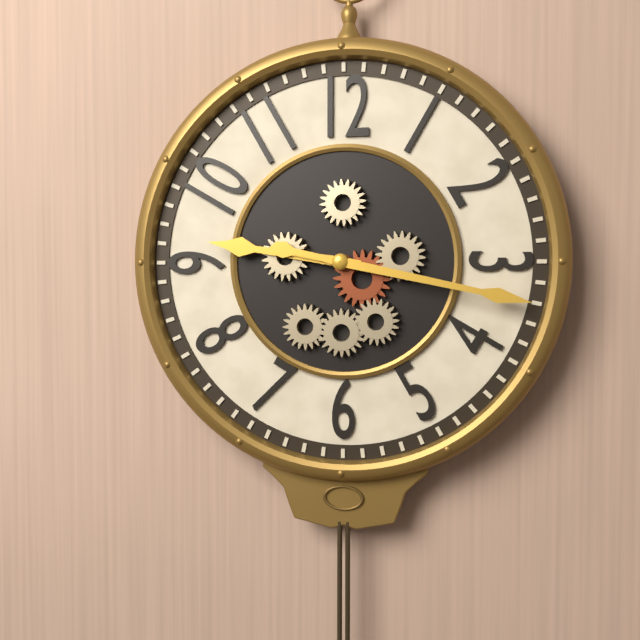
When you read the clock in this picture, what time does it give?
9:17
